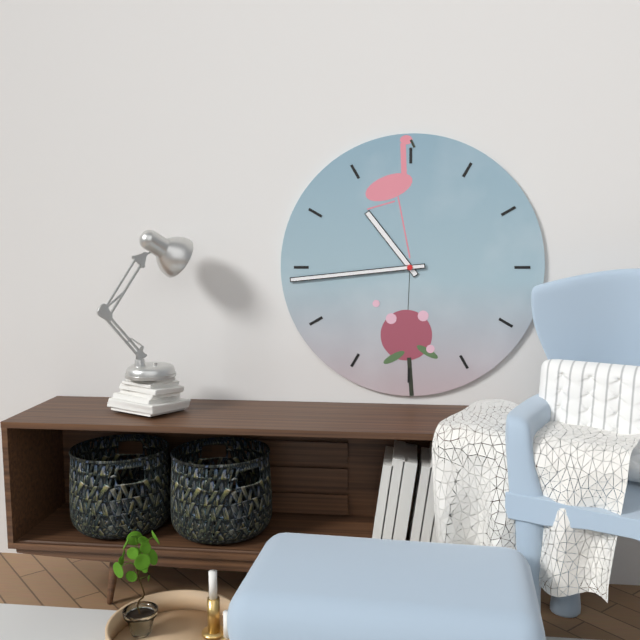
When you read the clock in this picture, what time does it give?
10:44
